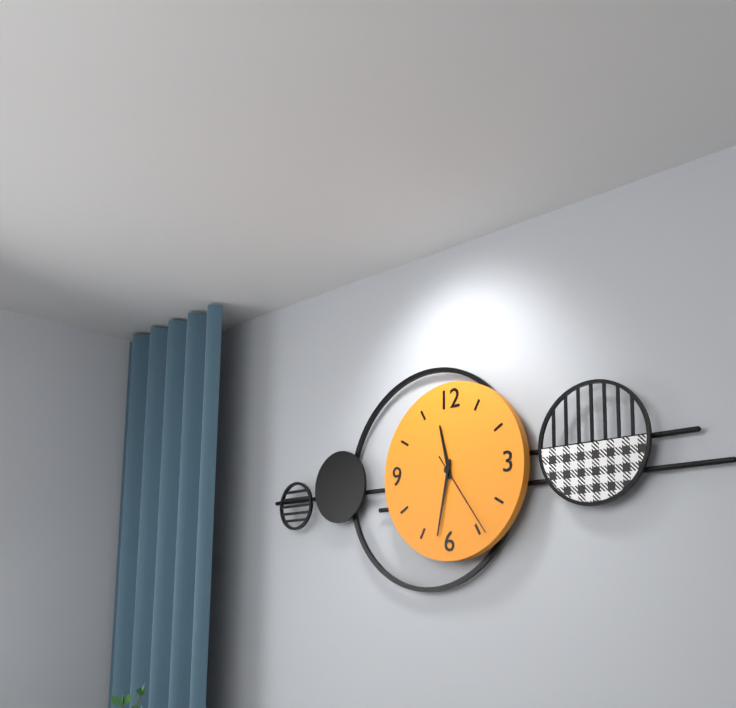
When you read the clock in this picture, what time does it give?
11:32:24
